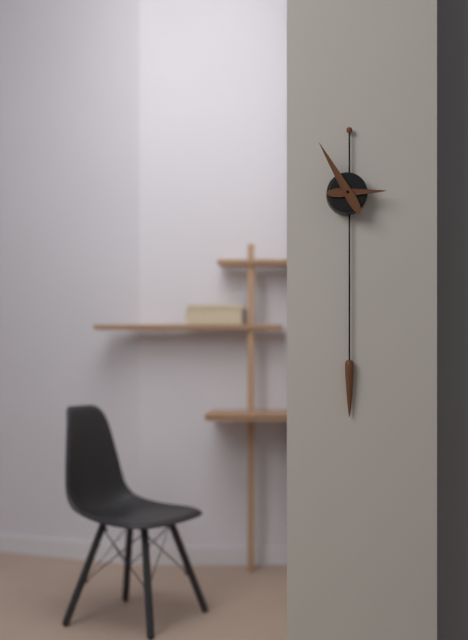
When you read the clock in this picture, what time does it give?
2:55
